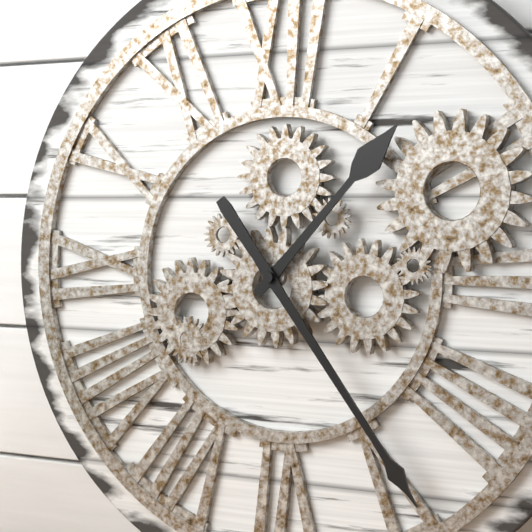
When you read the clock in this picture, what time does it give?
1:24
